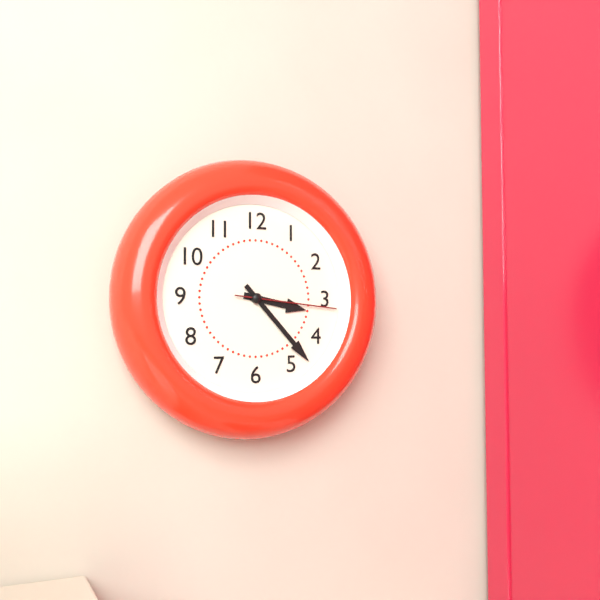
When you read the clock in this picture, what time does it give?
3:23:16
